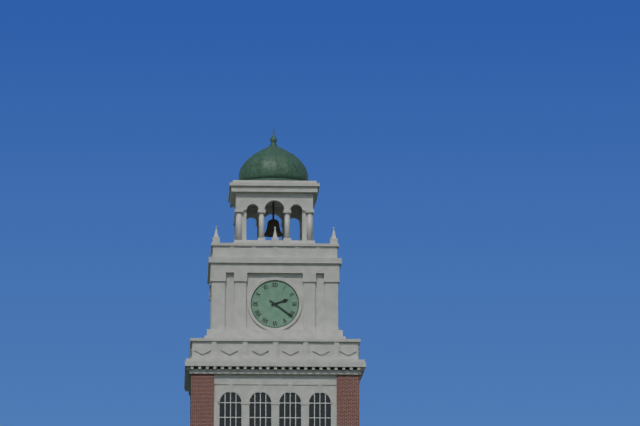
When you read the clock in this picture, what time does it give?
2:21
